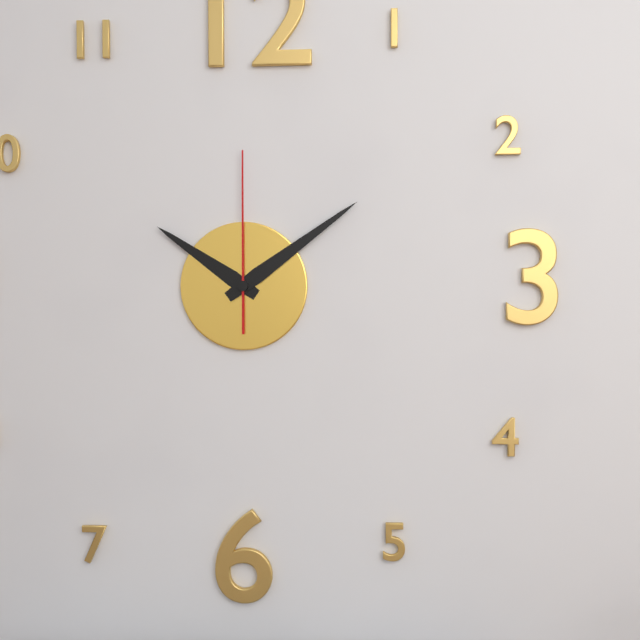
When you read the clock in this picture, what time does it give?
10:09:00
